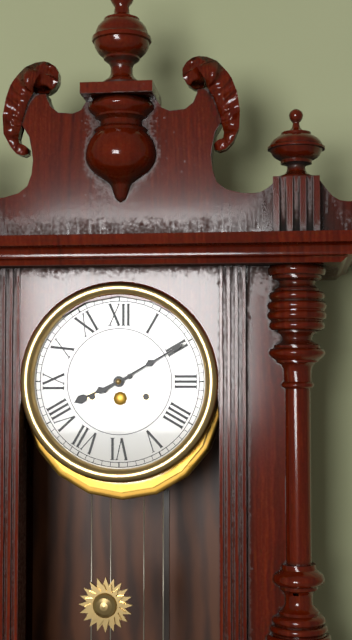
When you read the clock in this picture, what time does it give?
8:10
